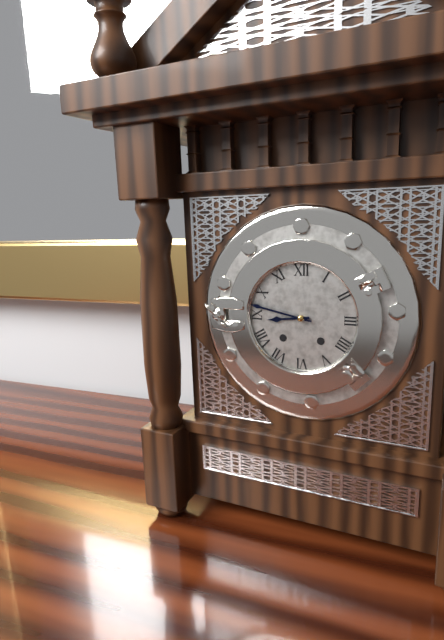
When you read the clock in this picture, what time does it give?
8:47
